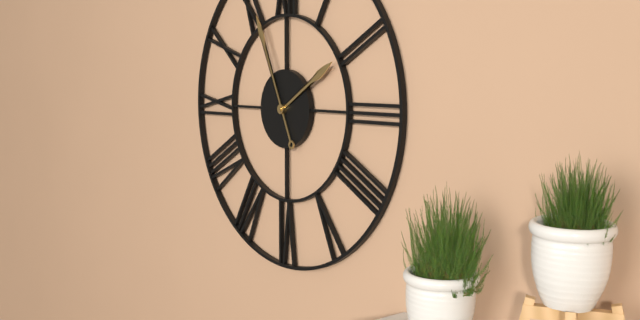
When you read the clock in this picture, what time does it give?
1:56
